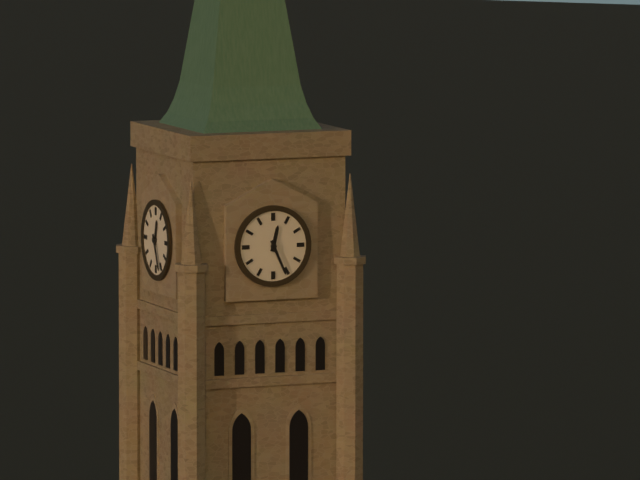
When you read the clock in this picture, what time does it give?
12:26
